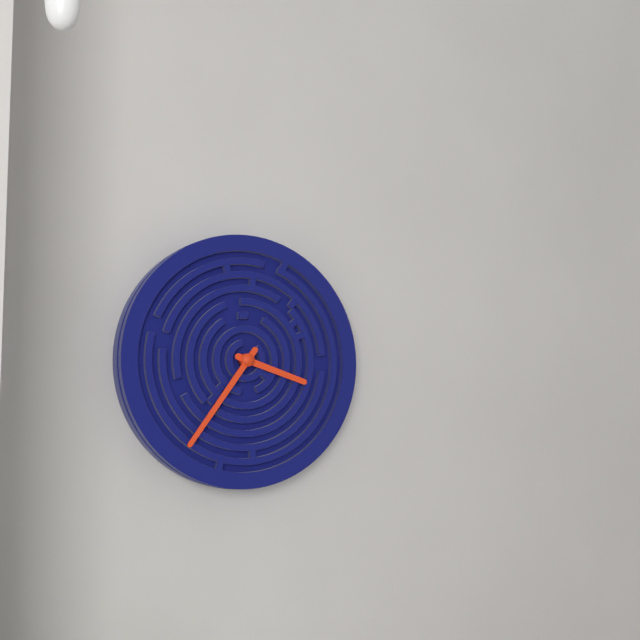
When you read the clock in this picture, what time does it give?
3:36
